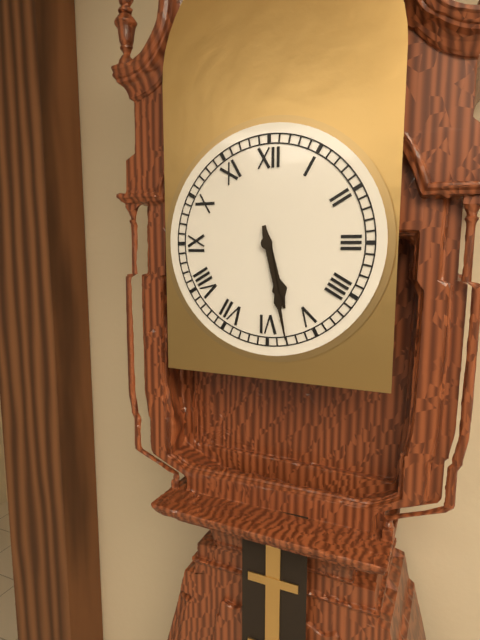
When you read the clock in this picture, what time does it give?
5:28
